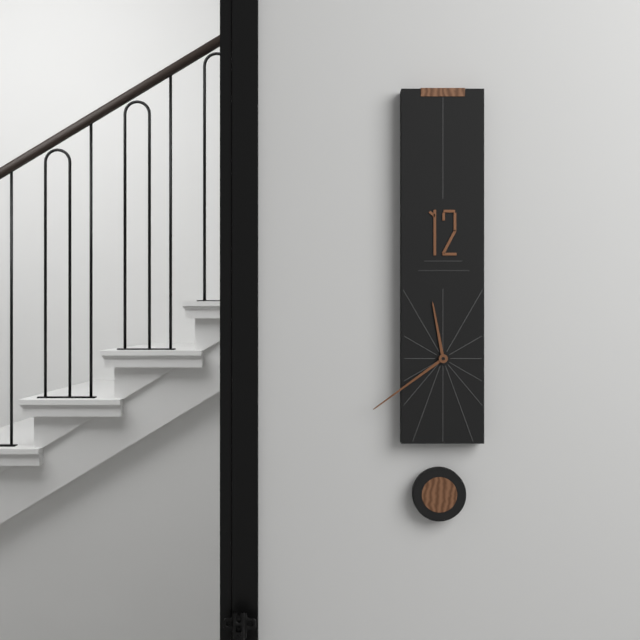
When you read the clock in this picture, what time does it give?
11:39
